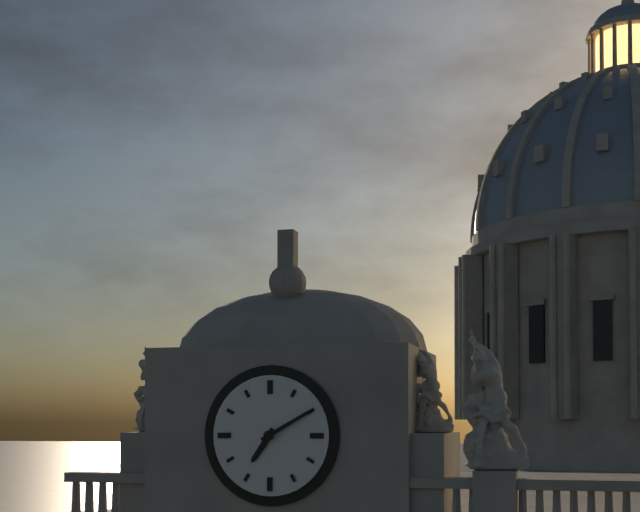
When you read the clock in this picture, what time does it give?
7:10
